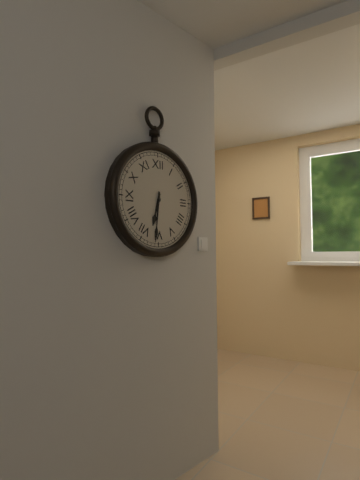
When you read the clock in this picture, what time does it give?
6:31
